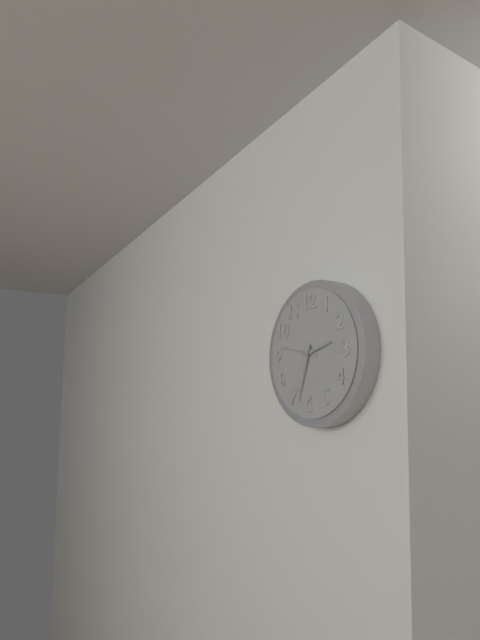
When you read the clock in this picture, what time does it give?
2:33
